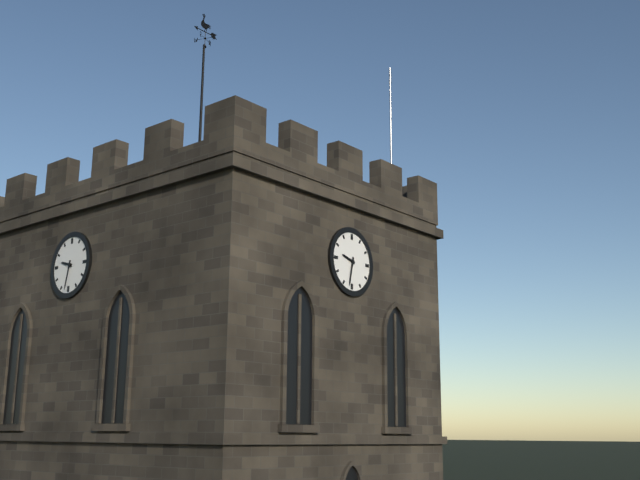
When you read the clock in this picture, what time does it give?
9:32
